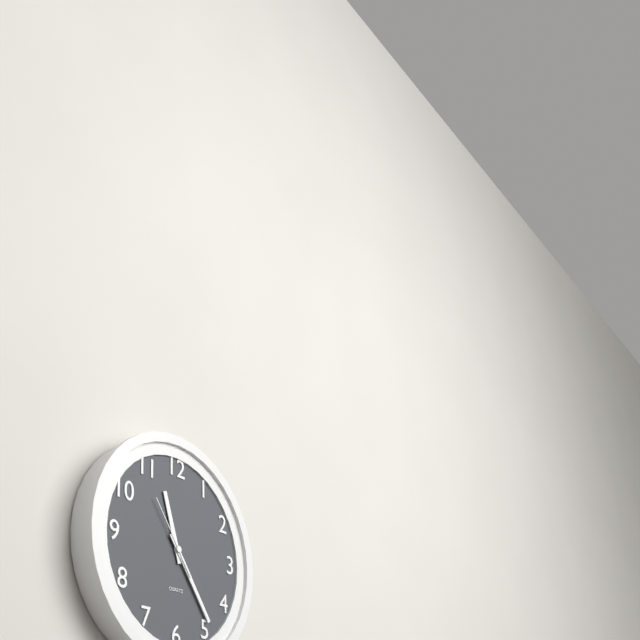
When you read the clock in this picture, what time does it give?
11:24:54
